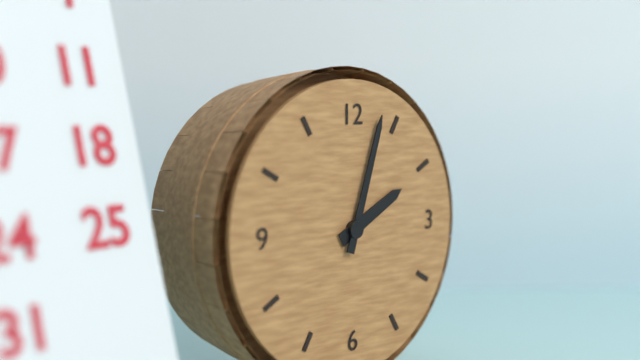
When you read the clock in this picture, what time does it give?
2:03
